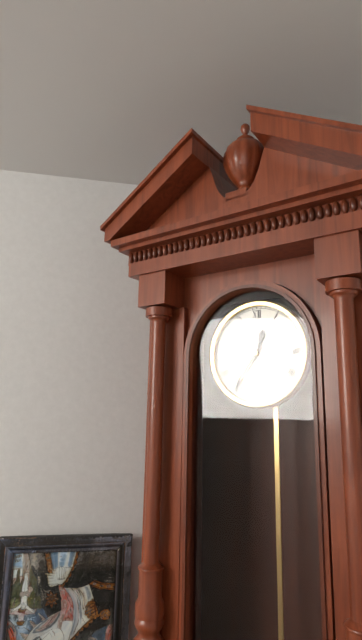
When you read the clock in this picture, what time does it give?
12:36
